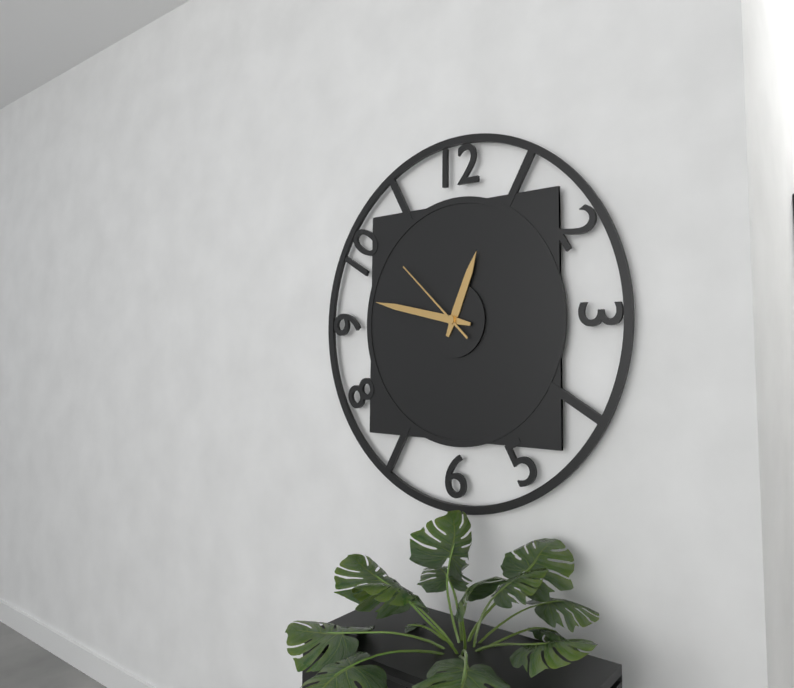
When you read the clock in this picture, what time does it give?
12:47:52
